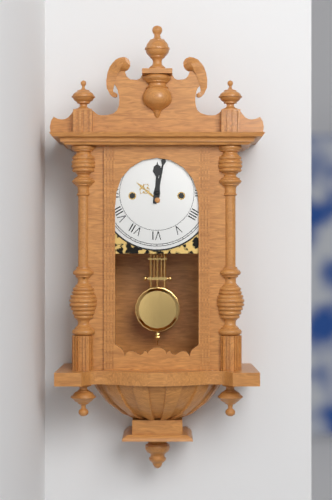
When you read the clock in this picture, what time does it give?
12:02
